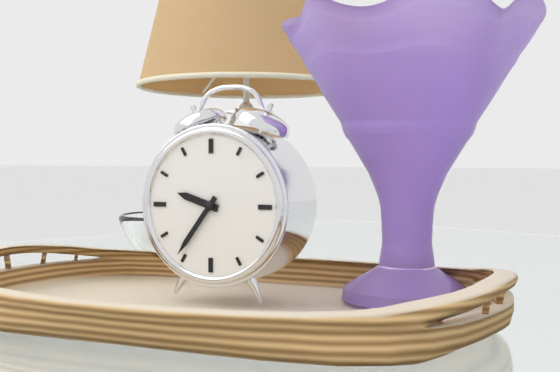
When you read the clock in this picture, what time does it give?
9:36
